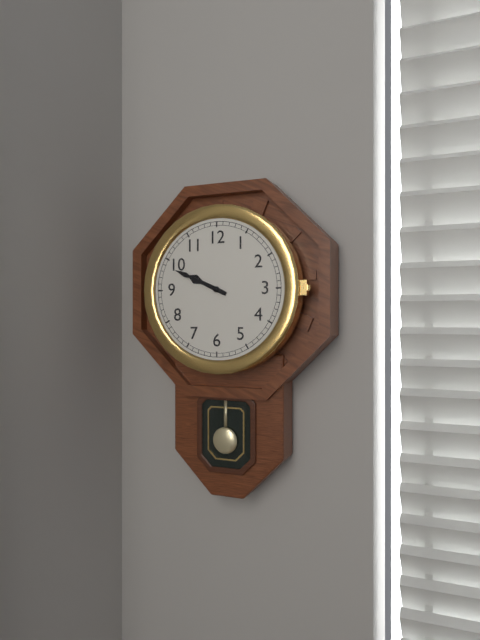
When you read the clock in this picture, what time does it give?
9:49
